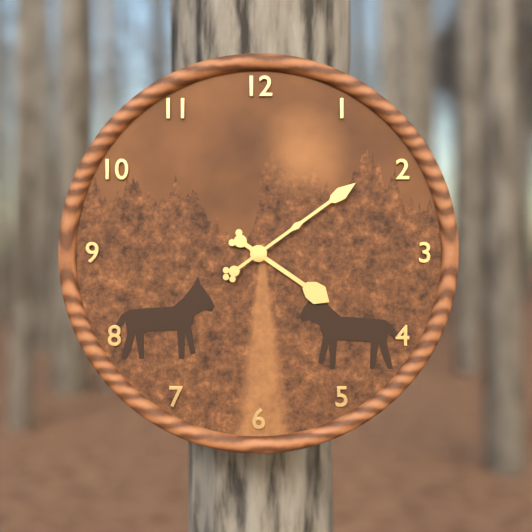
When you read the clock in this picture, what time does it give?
4:09
